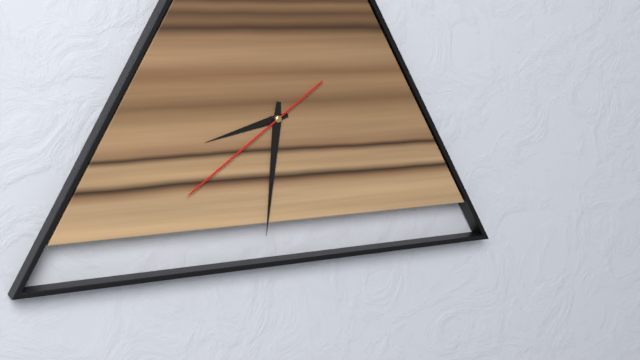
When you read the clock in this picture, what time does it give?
8:31:39
